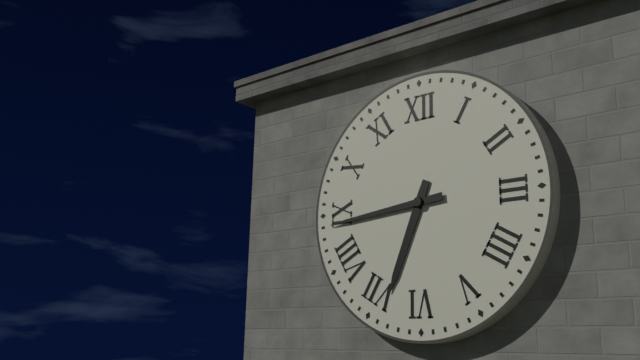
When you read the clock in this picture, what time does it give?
6:44
